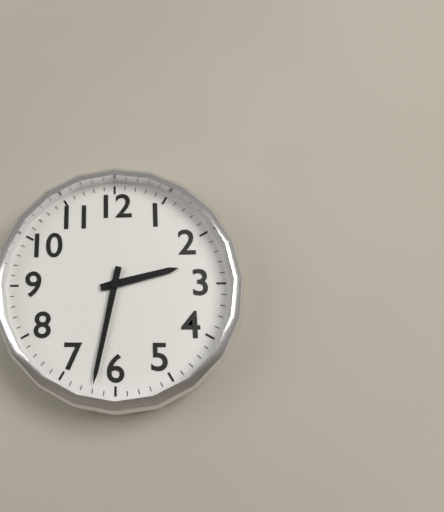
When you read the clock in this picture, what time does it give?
2:32
